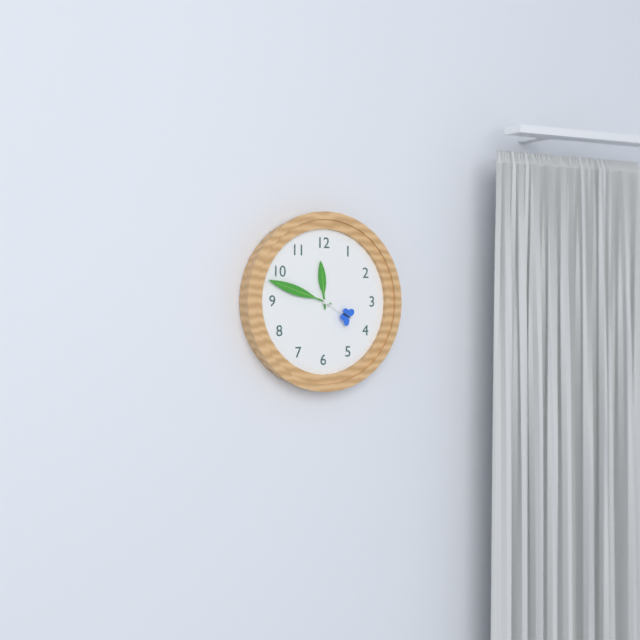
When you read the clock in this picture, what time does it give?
11:48
